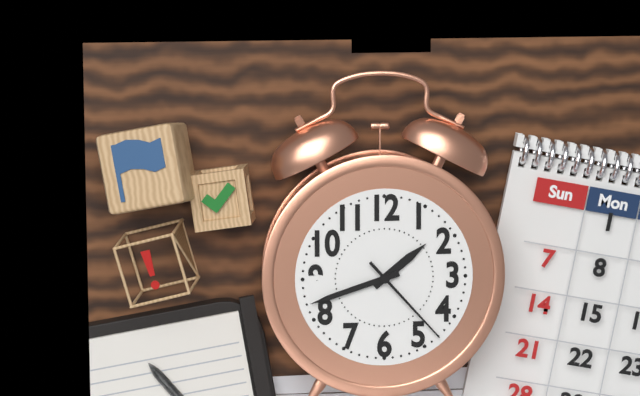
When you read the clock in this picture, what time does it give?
1:42:23
